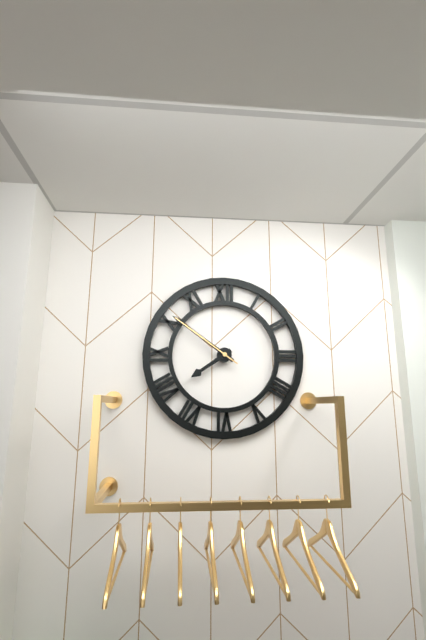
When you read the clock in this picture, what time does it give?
7:51:51
